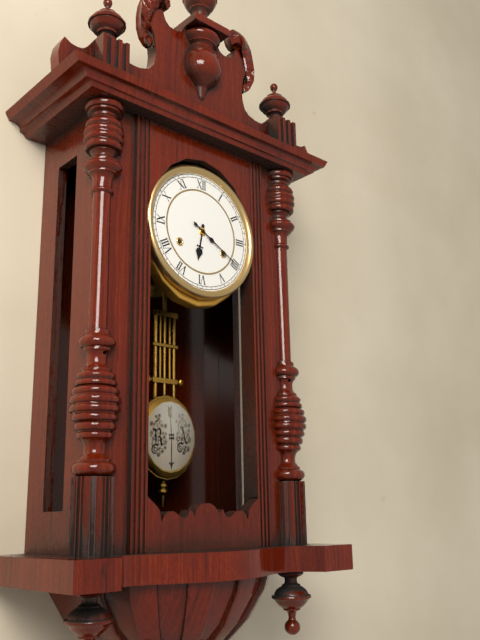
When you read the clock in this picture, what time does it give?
6:20
